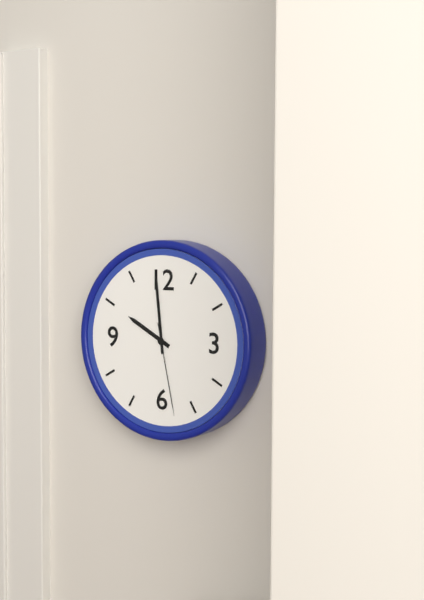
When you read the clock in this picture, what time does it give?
9:59:28
